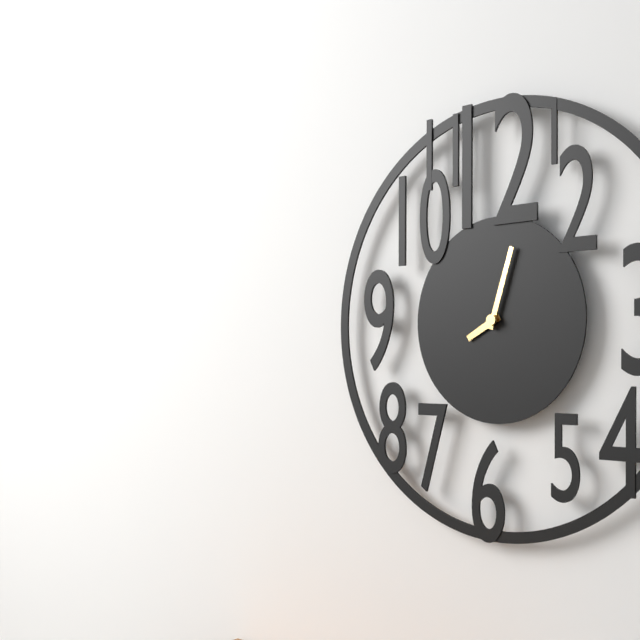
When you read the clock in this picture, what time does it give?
8:03
